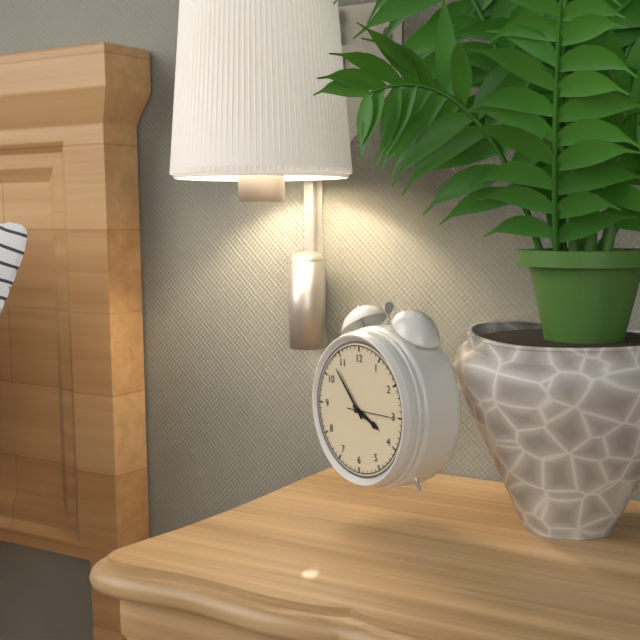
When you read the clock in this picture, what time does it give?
3:53
